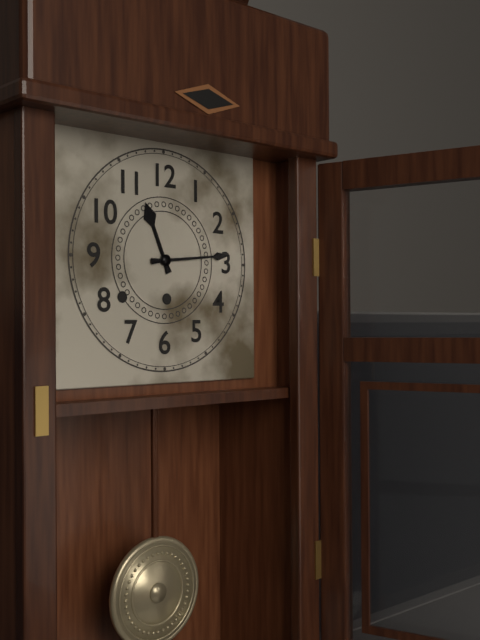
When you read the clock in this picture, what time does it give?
11:14
